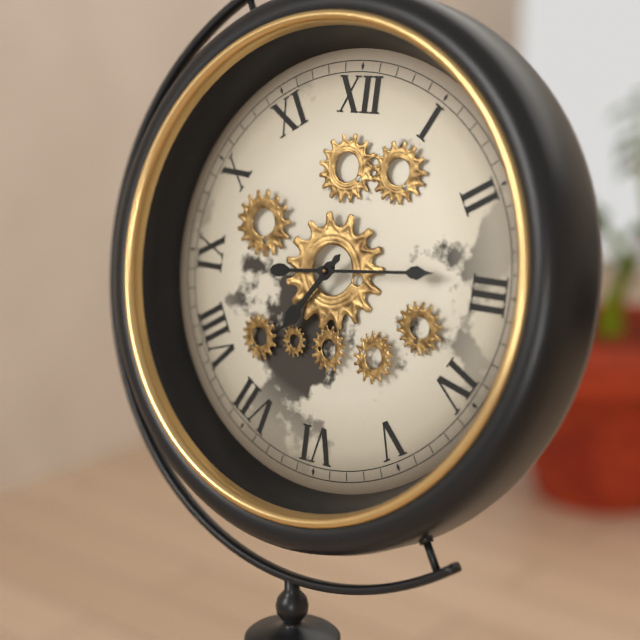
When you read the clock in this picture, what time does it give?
7:14
